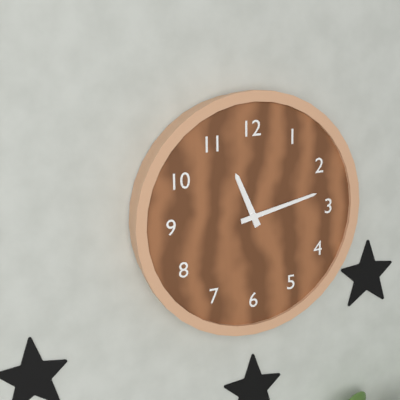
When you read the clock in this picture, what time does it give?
11:13
